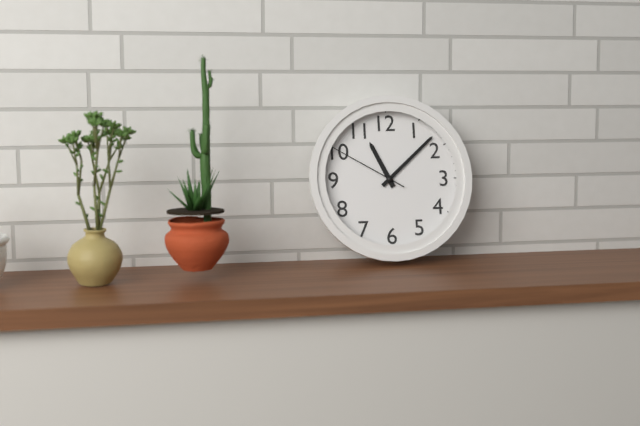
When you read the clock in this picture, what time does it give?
11:08:50
